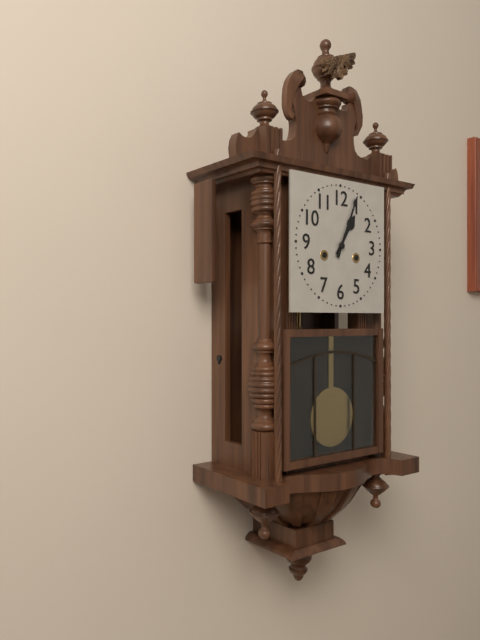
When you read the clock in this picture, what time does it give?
1:04
